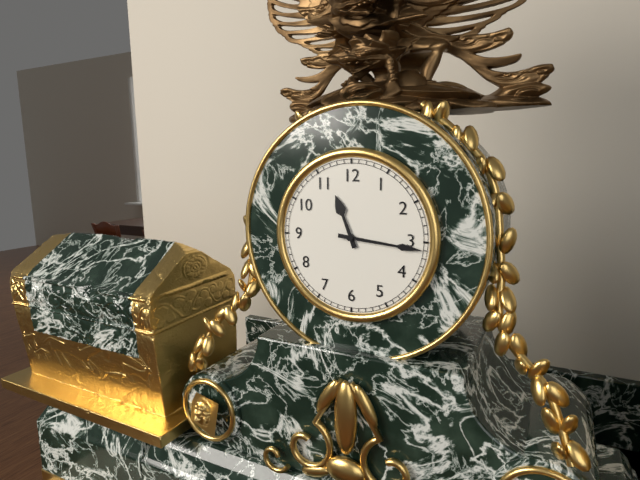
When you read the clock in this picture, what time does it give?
11:16
